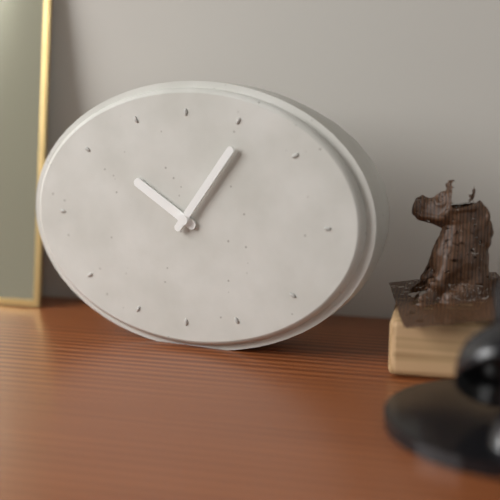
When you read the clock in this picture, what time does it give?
10:06
